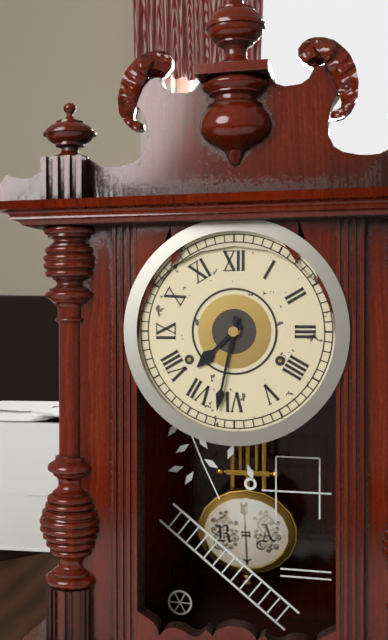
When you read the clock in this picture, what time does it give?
7:32
